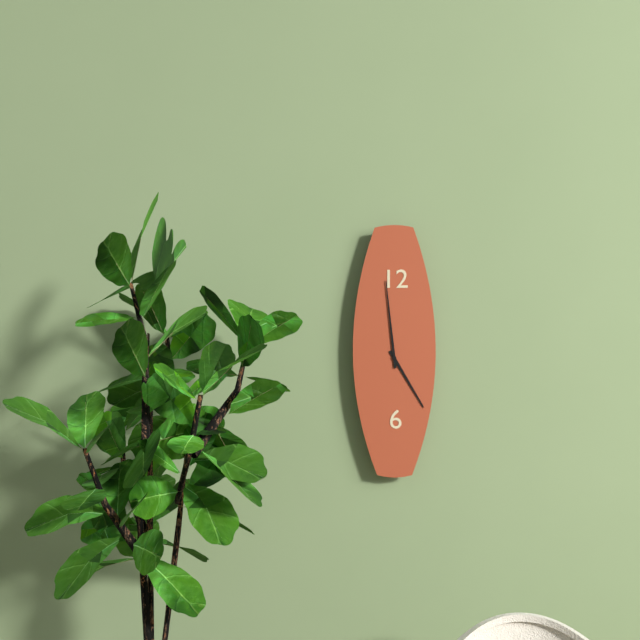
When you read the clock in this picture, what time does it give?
4:59
